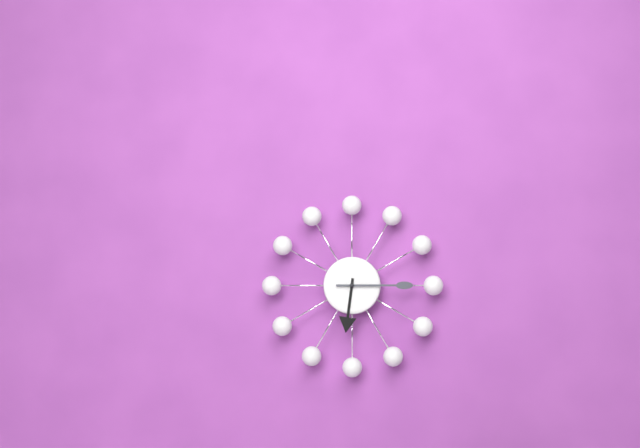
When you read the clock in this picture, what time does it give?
6:15
